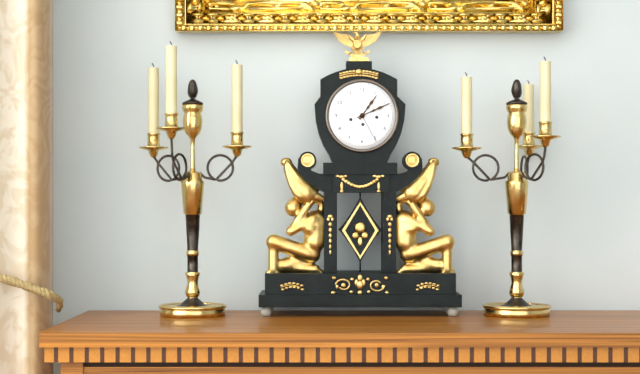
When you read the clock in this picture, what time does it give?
1:11
